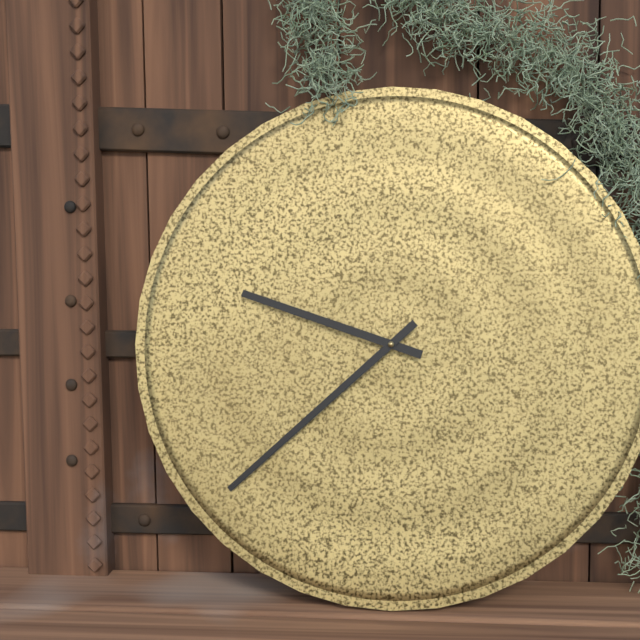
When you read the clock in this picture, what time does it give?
9:38
